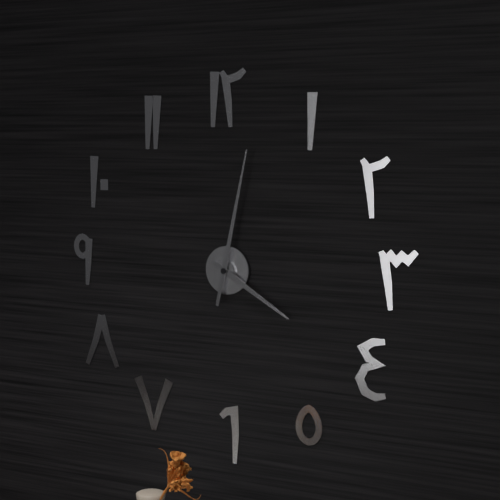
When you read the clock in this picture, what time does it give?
4:02
